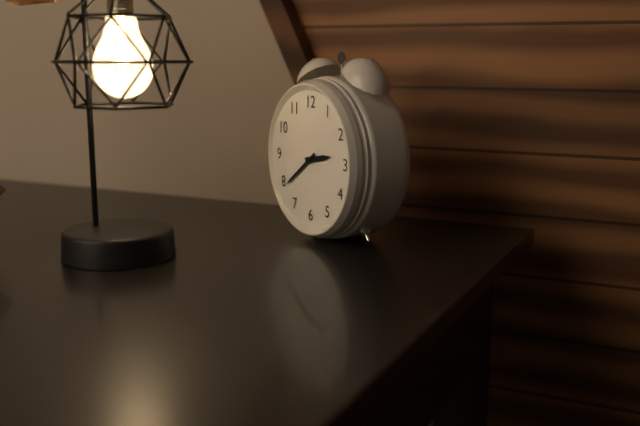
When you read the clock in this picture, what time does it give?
2:39
